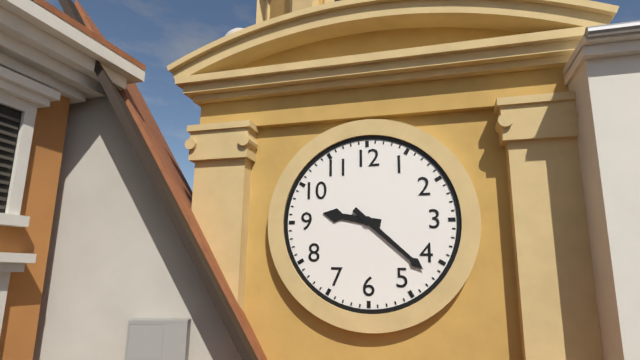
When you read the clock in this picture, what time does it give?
9:22
